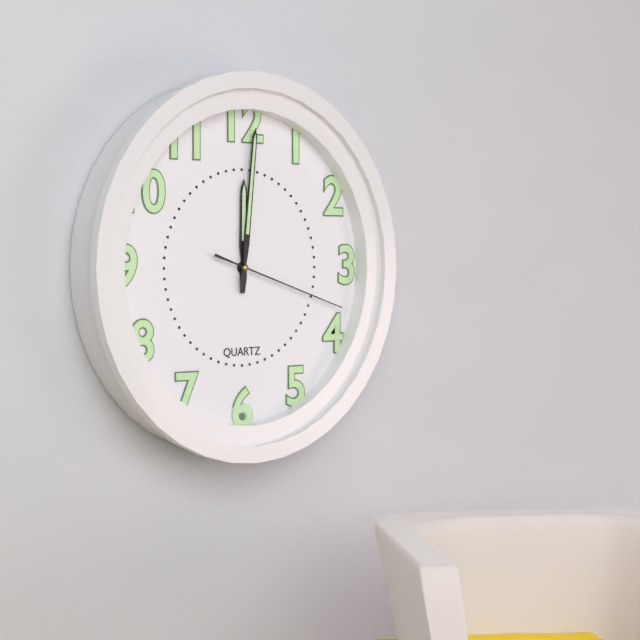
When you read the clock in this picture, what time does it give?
12:01:18
